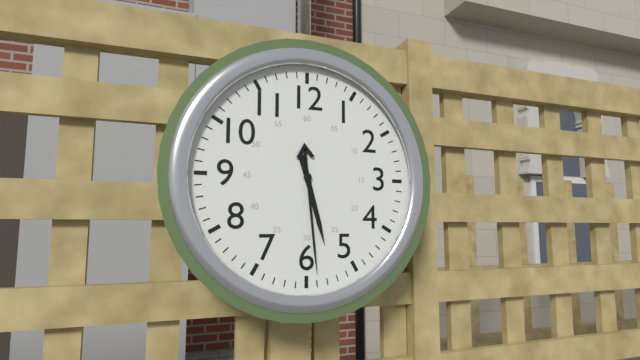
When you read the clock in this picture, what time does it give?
5:29
